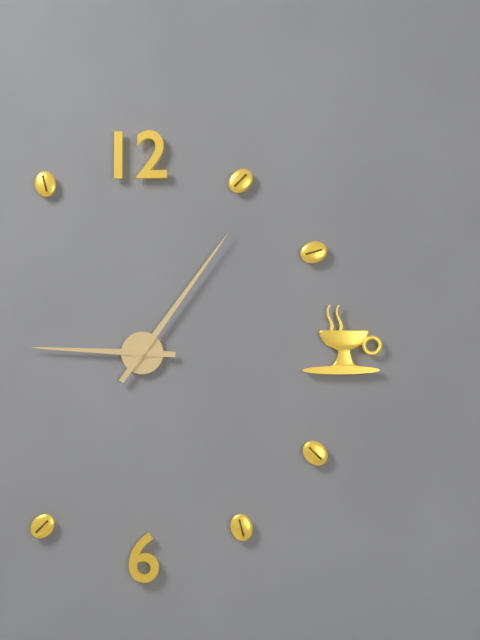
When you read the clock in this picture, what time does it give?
9:06
